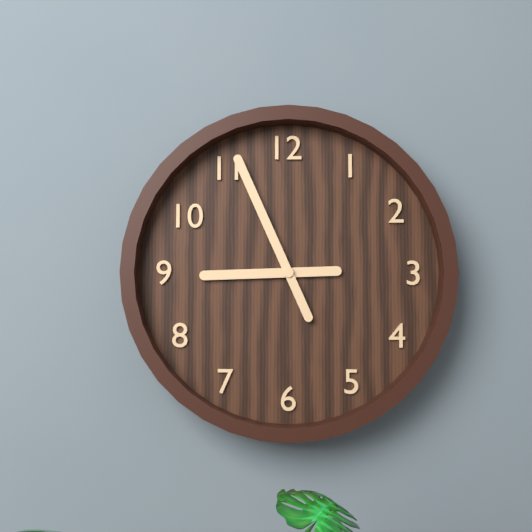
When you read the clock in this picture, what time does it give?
8:56
